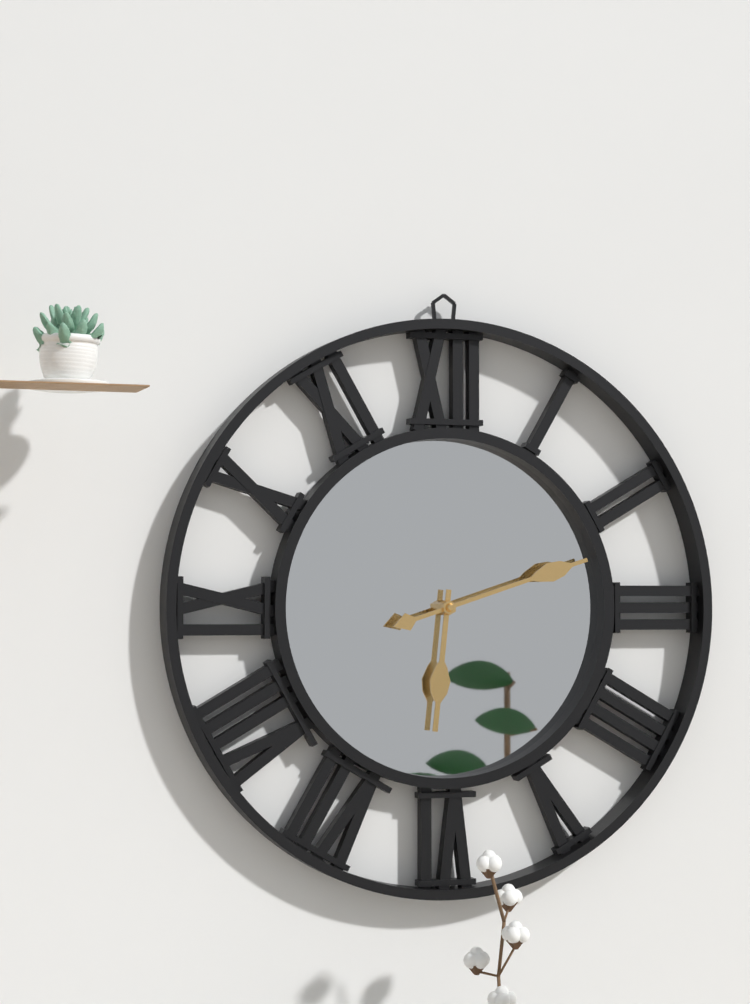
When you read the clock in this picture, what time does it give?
6:12
